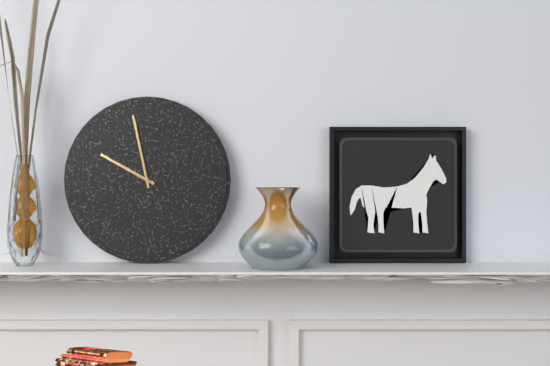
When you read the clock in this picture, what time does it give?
9:58
